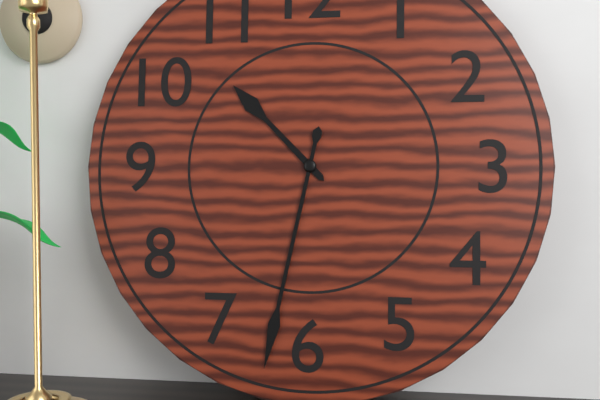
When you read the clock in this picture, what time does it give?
10:32
